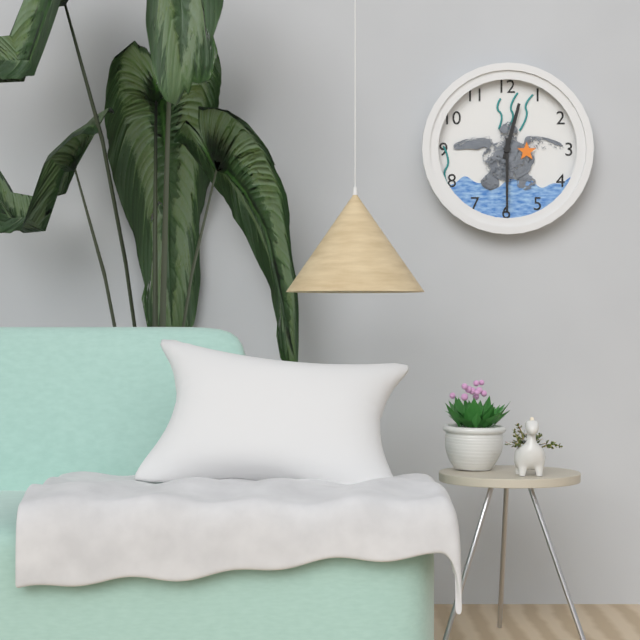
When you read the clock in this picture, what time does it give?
12:30
